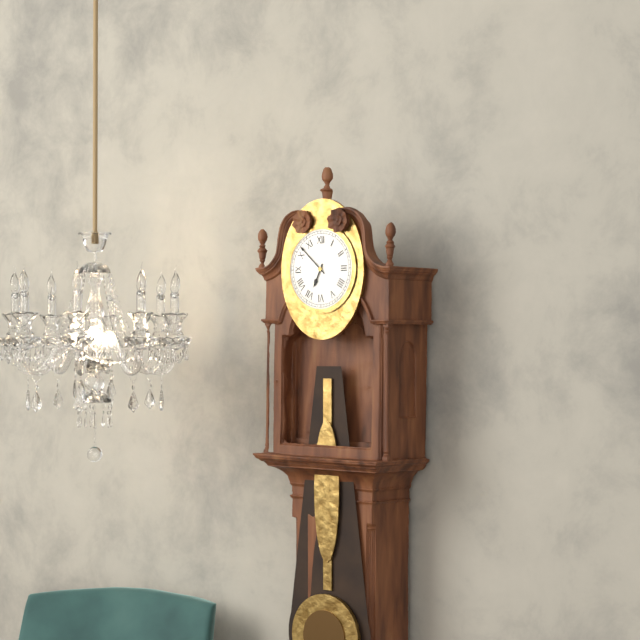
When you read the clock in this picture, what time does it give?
6:52
